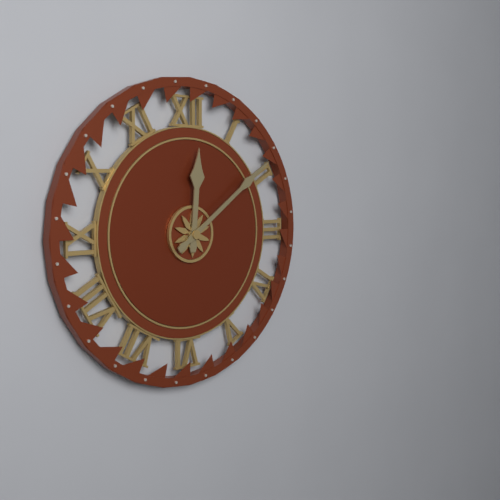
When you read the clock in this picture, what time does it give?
12:09
